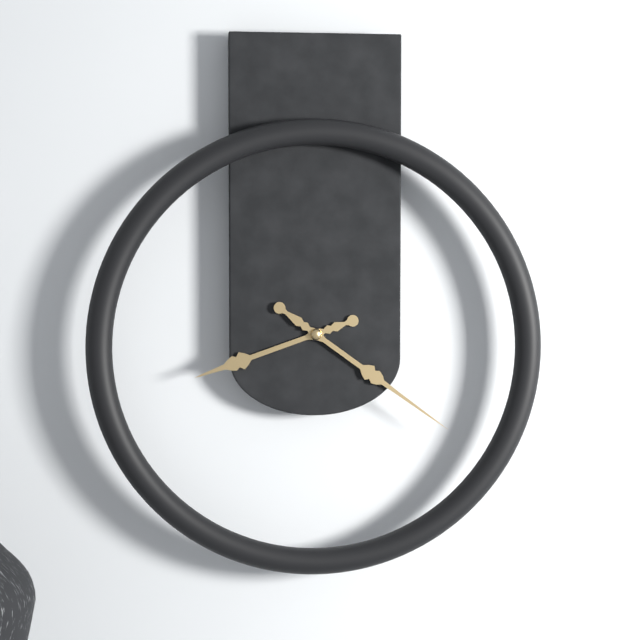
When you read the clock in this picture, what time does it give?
8:21
